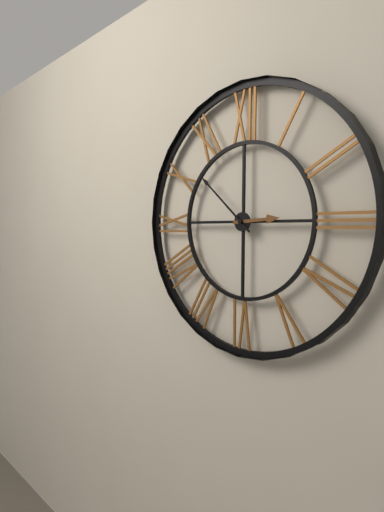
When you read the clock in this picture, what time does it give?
2:52
